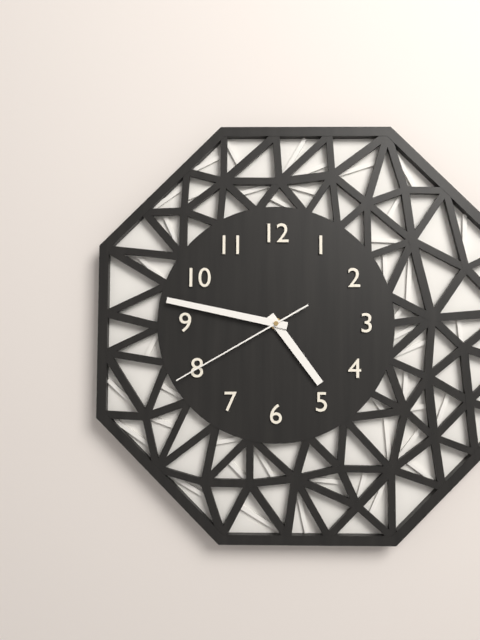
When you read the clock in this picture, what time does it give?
4:47:40
